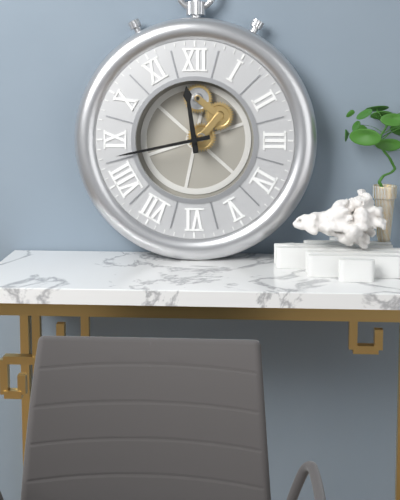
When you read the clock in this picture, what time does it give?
11:43
